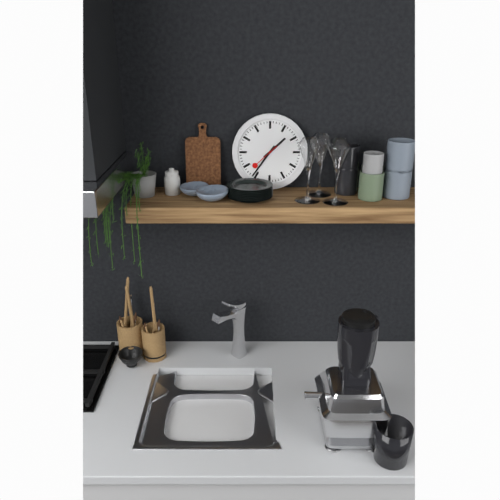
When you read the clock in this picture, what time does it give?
1:36
